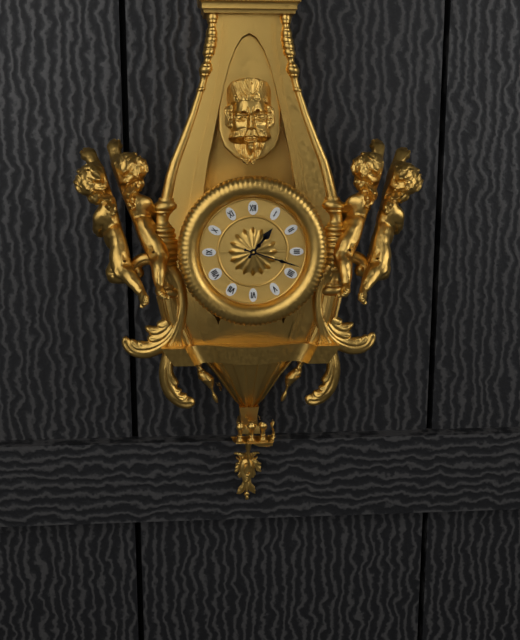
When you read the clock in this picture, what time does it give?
1:18
